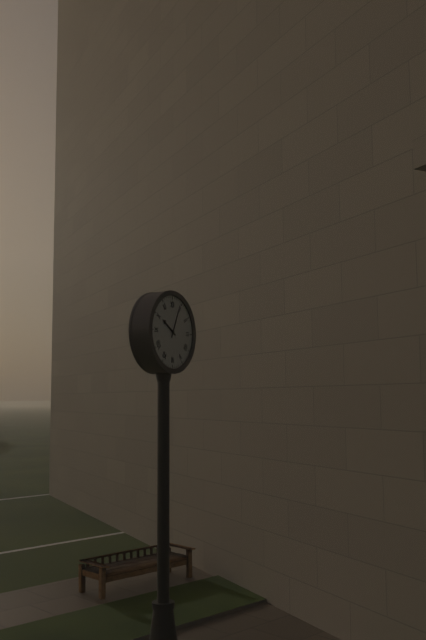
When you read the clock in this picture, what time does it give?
10:04
